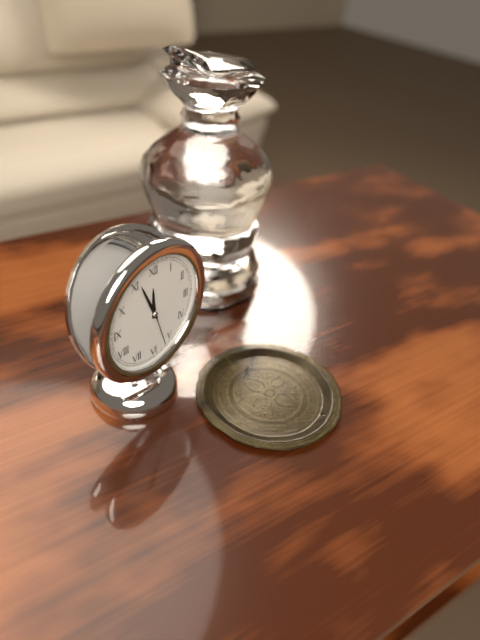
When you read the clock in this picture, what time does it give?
11:56
